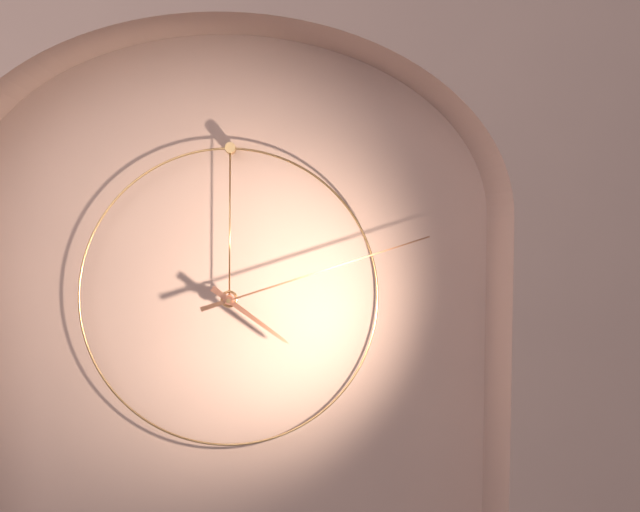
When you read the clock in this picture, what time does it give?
4:12
